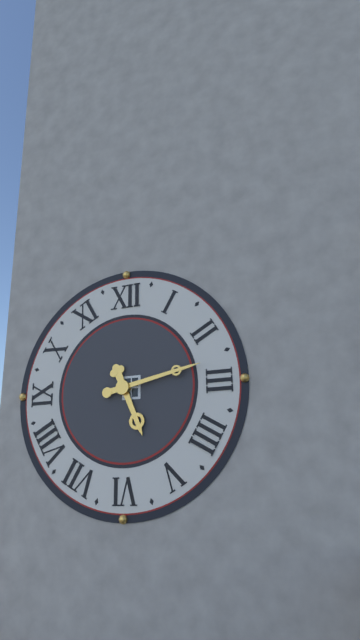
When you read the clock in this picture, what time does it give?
5:13
